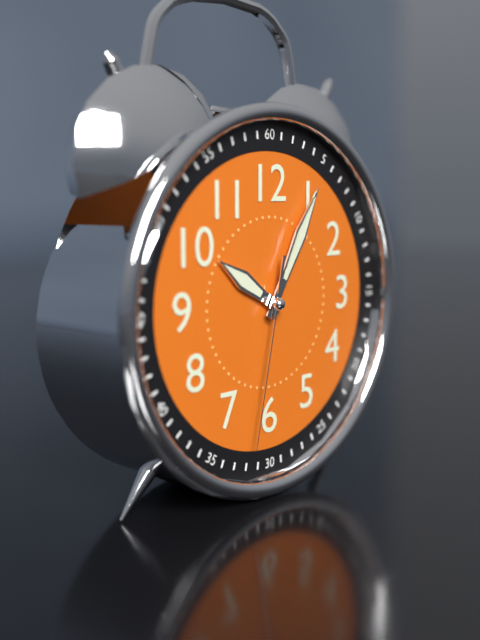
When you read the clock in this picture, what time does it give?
10:05:32
